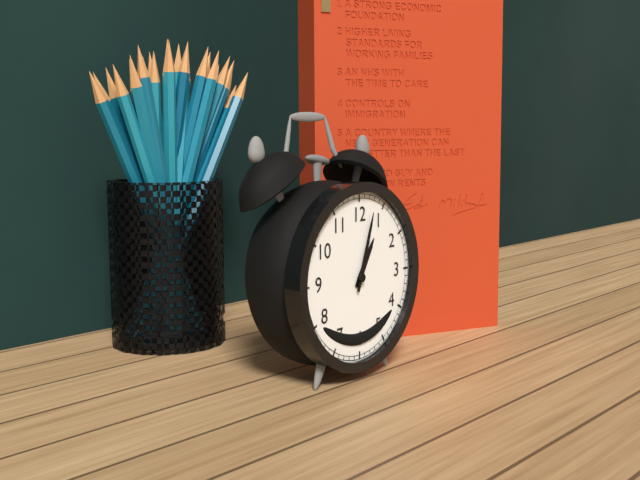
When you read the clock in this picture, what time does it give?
1:03
